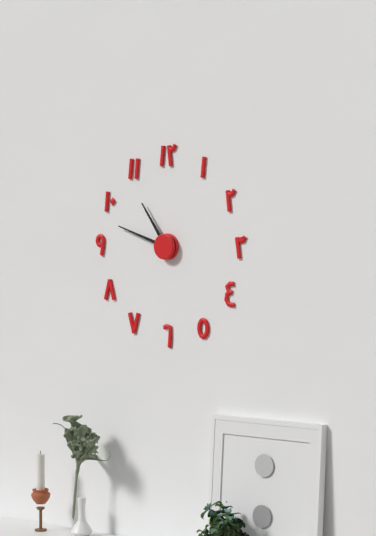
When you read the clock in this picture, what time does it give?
10:48
